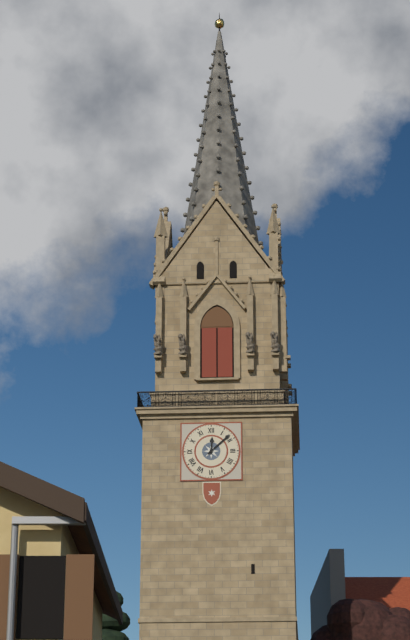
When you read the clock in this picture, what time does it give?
12:08
